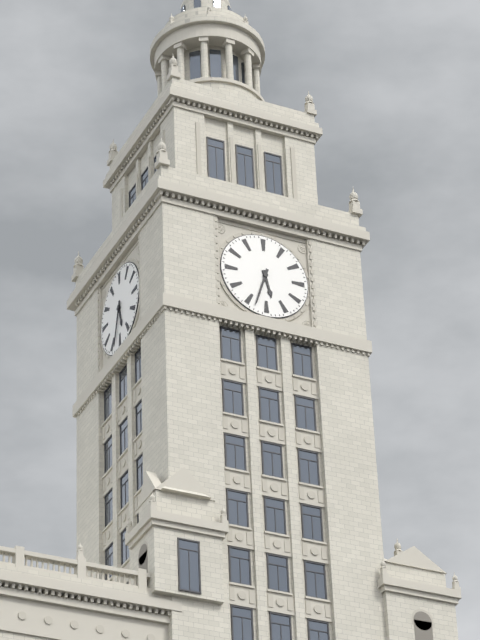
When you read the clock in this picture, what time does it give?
5:33
